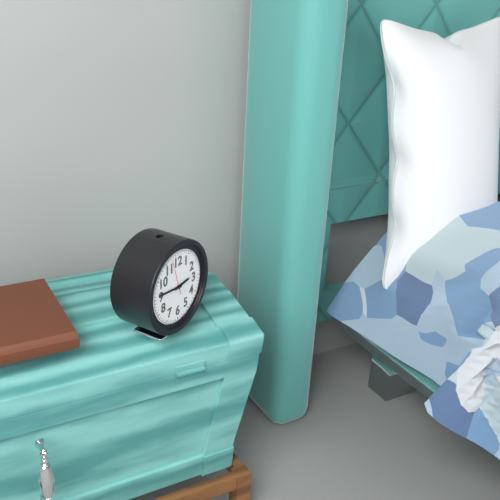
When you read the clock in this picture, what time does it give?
2:46
